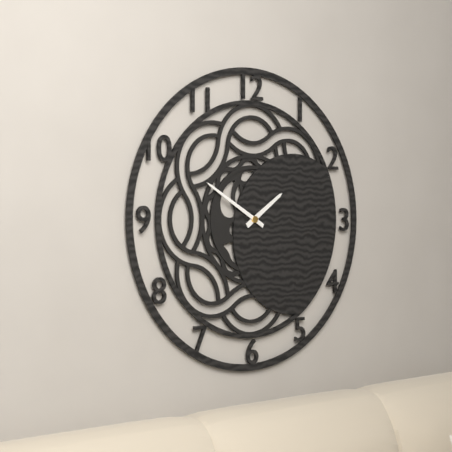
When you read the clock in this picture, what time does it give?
1:50
